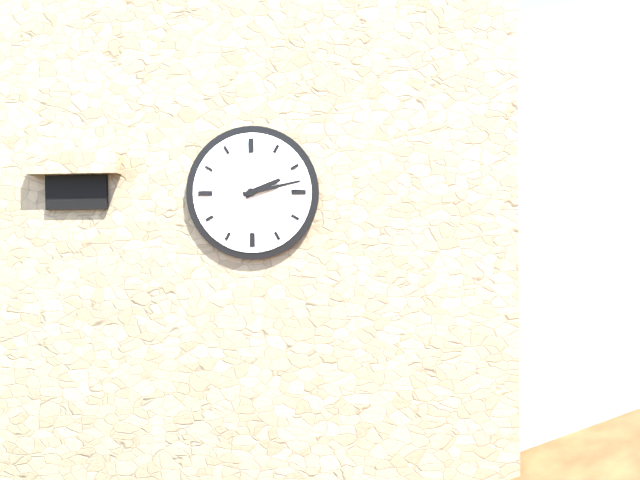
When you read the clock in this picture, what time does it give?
2:13
